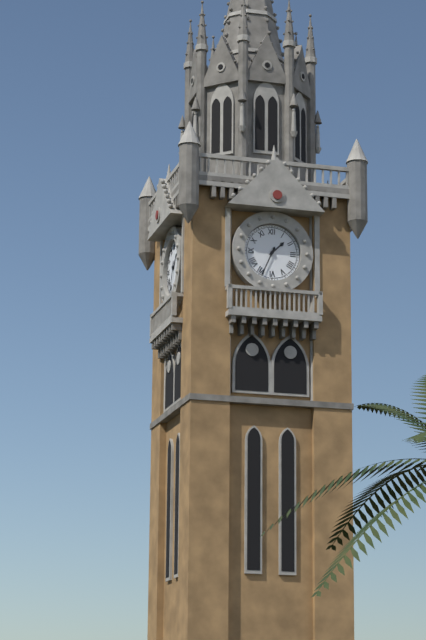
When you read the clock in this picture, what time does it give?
1:34
